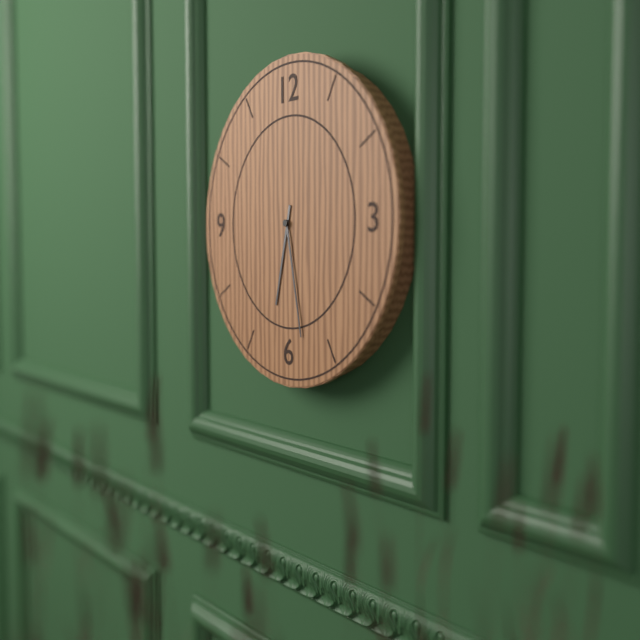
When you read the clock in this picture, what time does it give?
6:28
